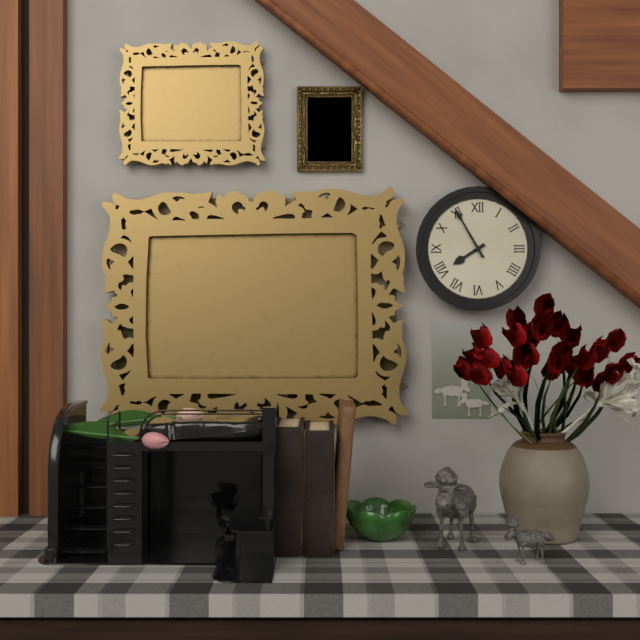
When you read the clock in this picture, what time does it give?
7:55
